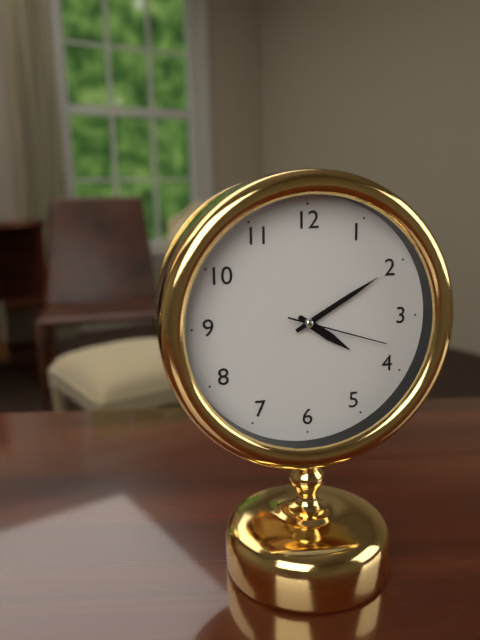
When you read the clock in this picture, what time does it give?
4:10:18
